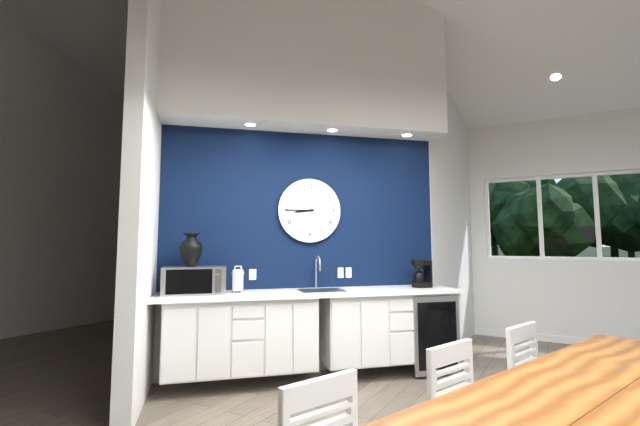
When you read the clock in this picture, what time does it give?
8:45
